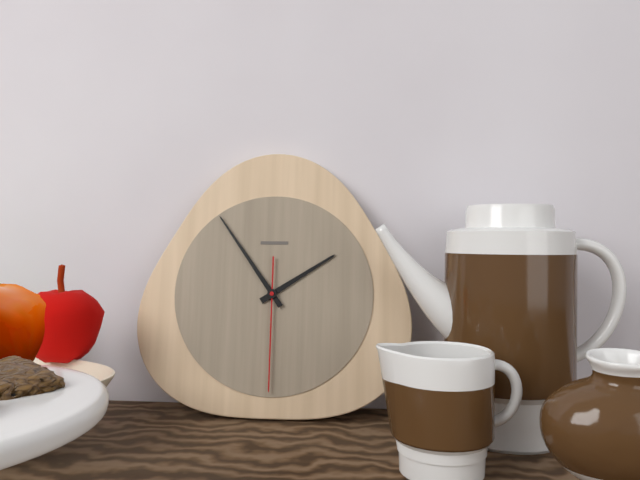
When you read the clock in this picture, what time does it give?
1:54:30
